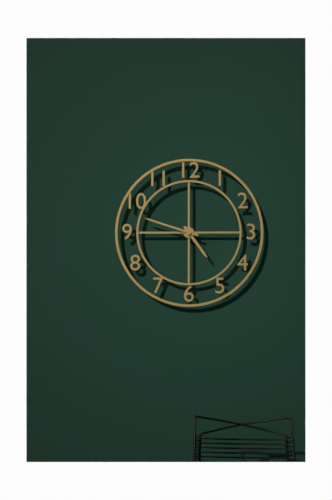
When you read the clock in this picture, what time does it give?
4:48
